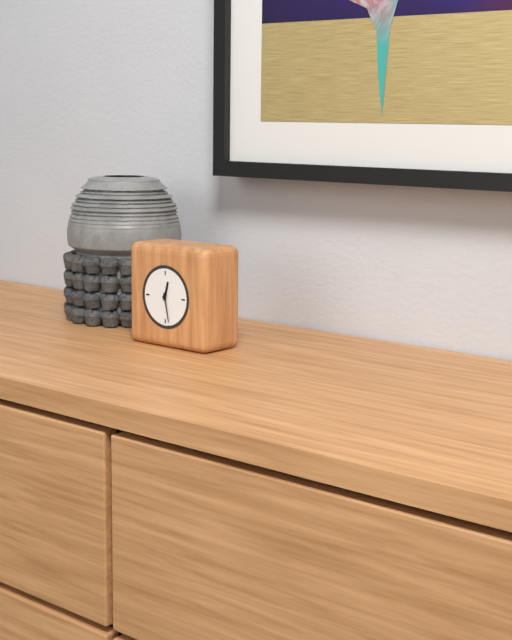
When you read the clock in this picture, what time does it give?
12:28
